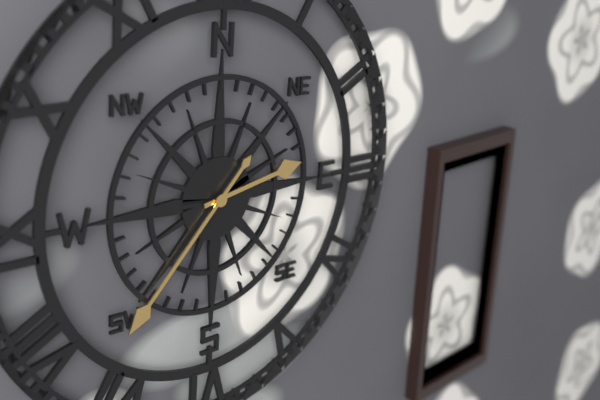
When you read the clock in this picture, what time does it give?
2:37
